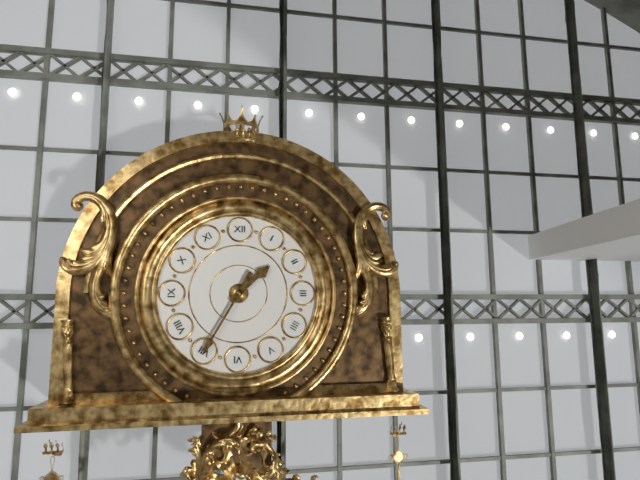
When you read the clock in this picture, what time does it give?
1:35
